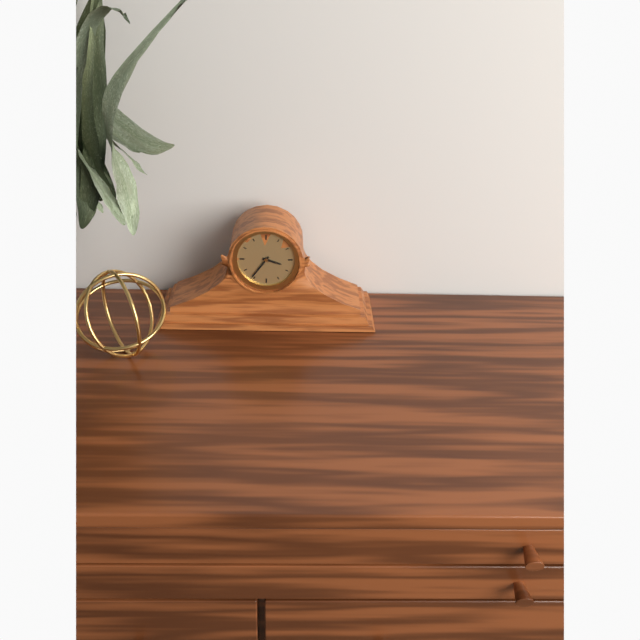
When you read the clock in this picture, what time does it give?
3:36
